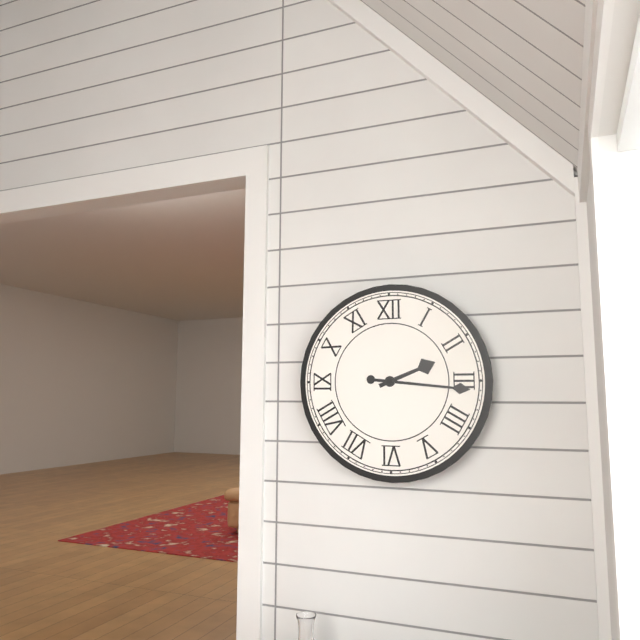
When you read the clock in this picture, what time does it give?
2:16
